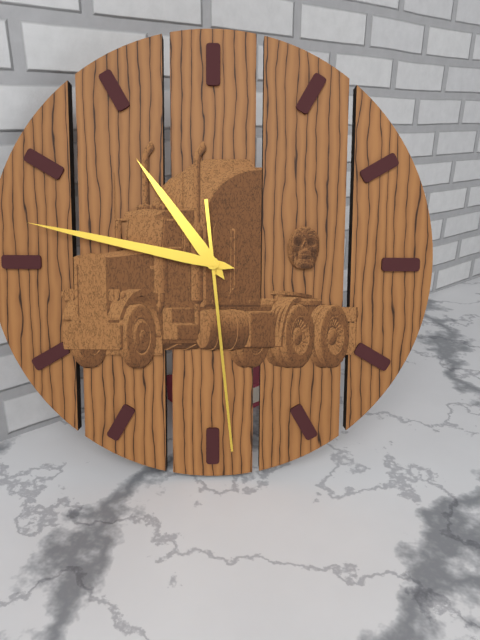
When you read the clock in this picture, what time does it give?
10:47:29
